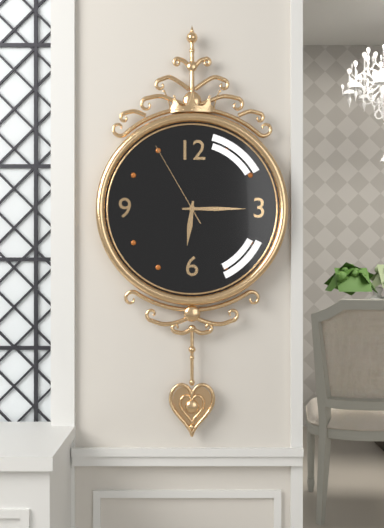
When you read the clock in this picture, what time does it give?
6:15:55
